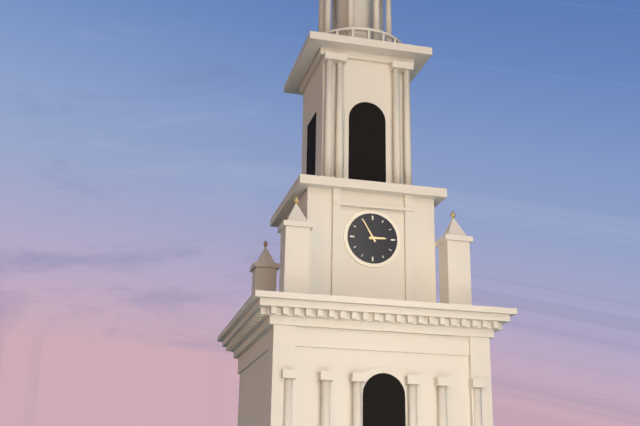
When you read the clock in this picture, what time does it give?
2:55
